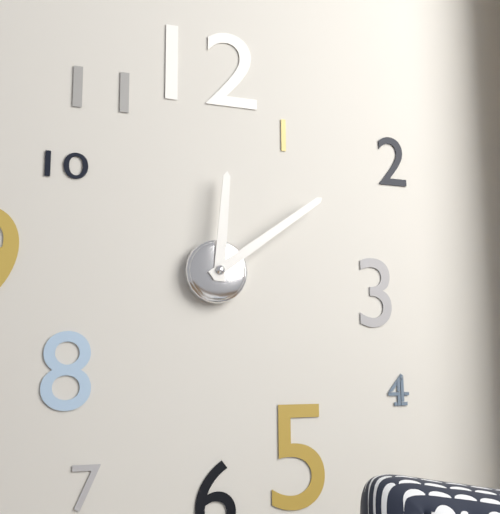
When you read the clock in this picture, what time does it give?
12:09
